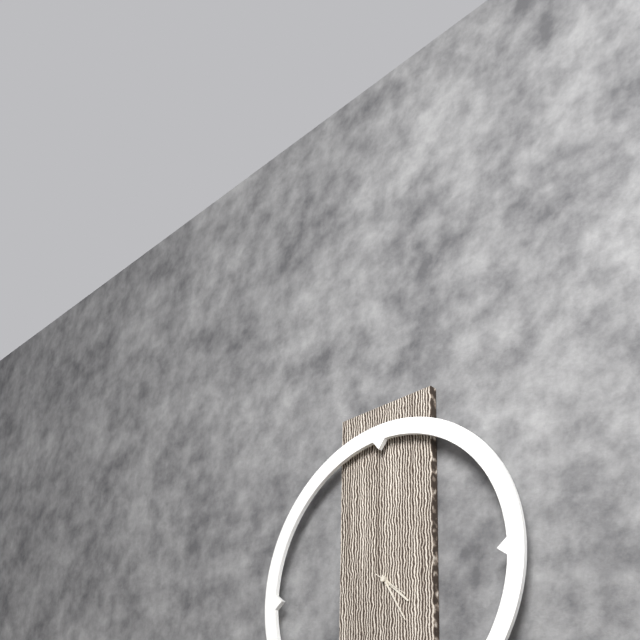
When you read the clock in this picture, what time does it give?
4:25
